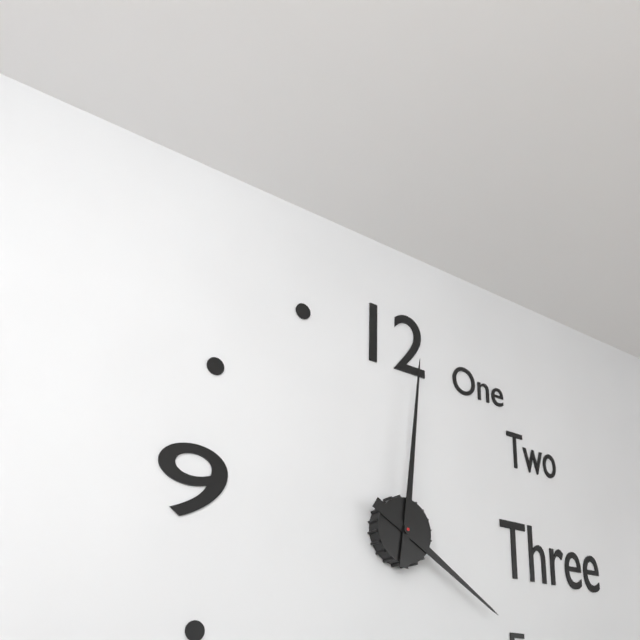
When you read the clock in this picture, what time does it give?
4:01
